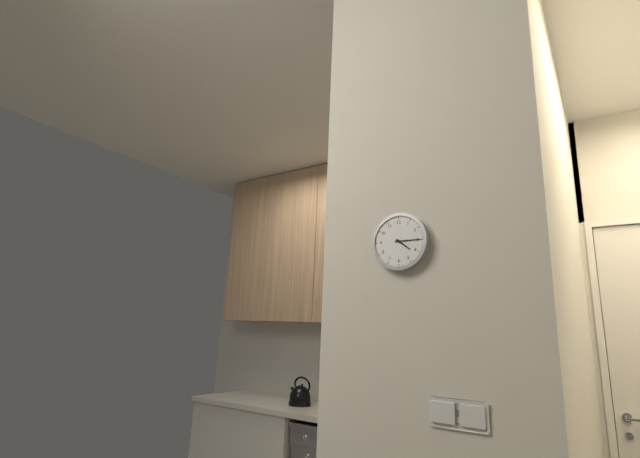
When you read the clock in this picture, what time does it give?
4:15
